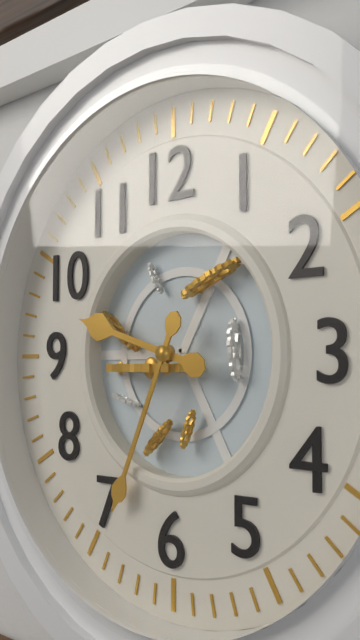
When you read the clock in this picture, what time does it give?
9:34
